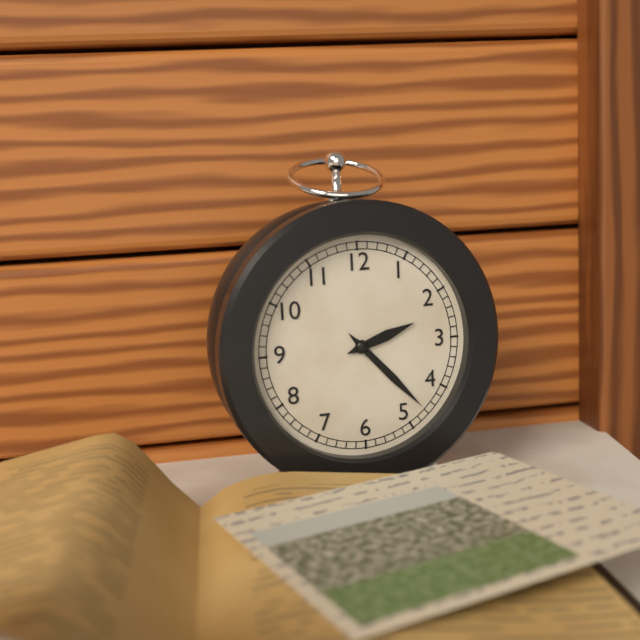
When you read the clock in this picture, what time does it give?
2:23
